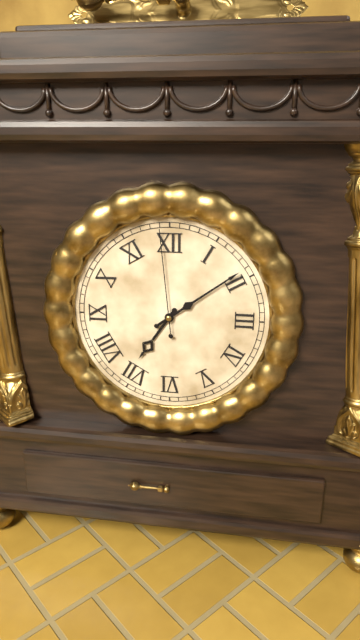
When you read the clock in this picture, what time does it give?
7:09:59
